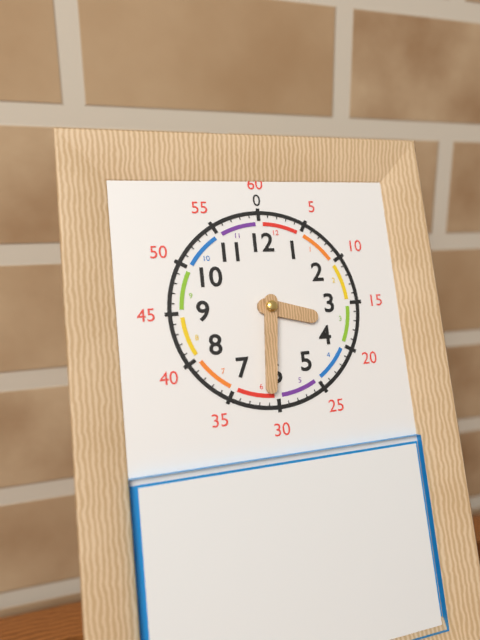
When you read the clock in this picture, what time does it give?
3:31
